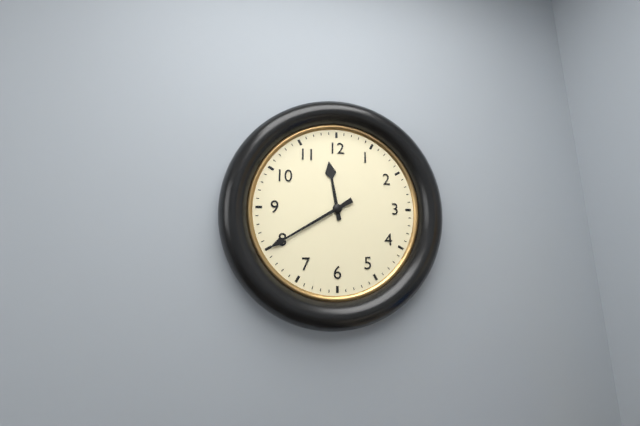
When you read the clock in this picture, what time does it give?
11:40
